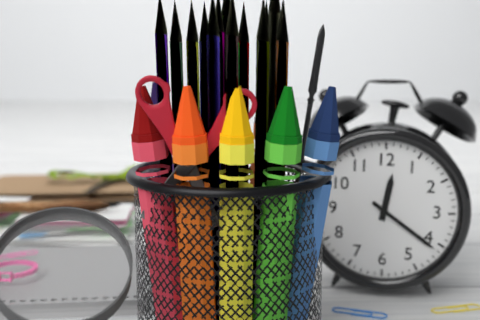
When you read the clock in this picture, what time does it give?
12:21
